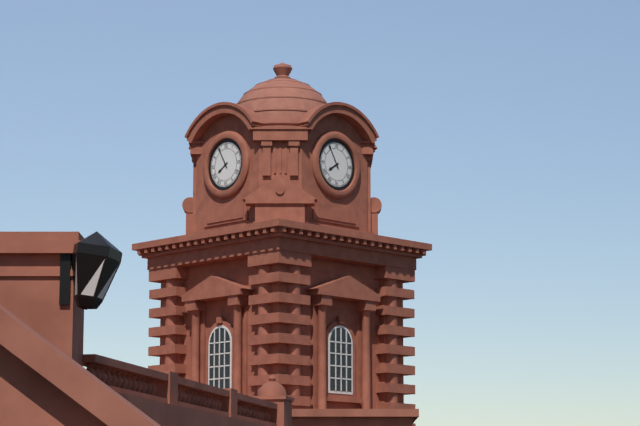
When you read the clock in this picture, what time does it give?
7:55
